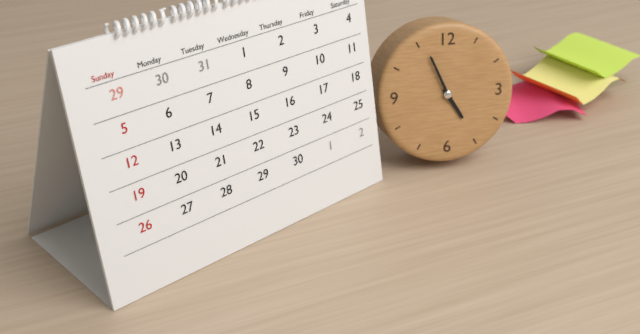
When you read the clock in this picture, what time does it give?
4:56
